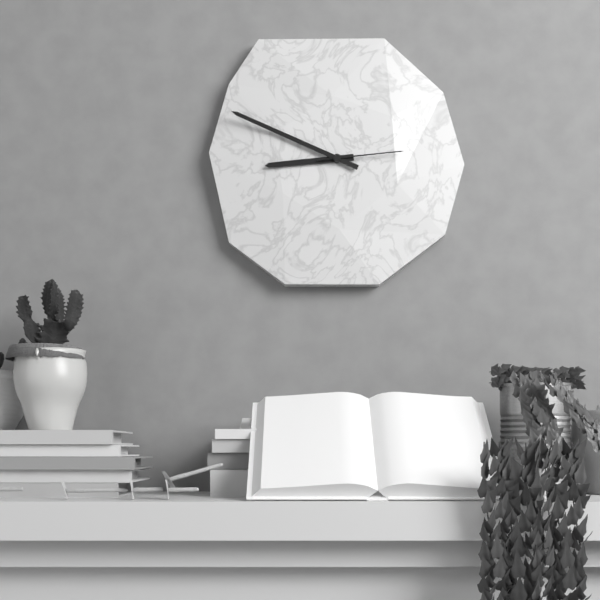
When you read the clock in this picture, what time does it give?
8:49:14
